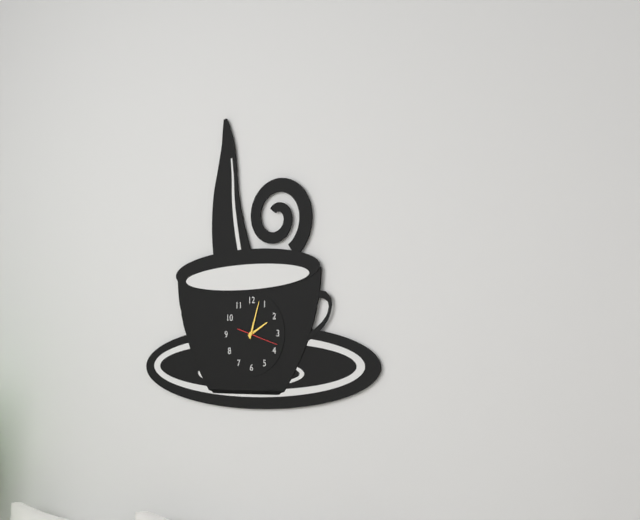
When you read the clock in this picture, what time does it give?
2:03
